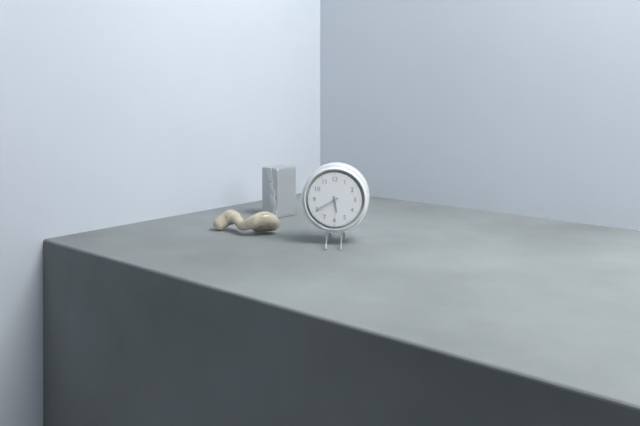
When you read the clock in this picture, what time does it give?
5:40
